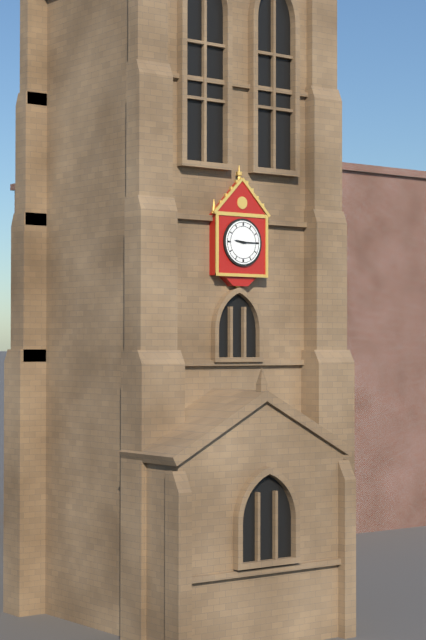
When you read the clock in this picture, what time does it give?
9:15
